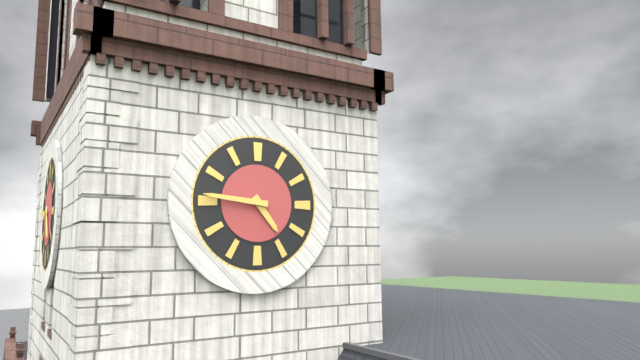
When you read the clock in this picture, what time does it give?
4:46
